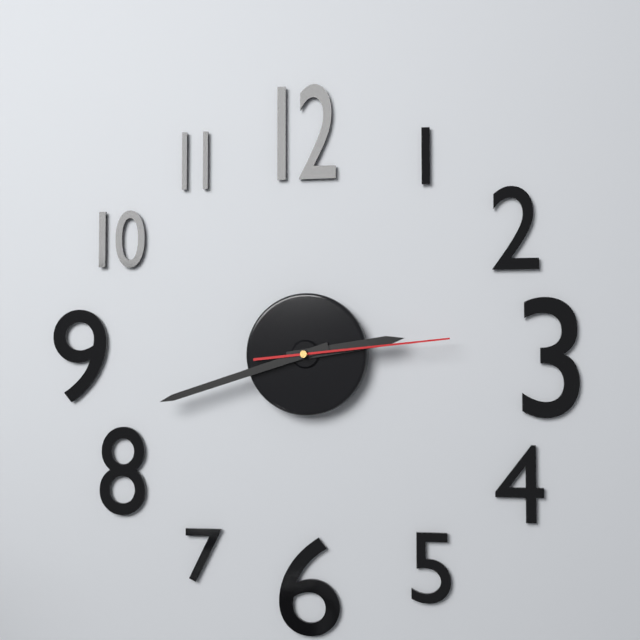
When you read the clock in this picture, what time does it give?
2:42:14
